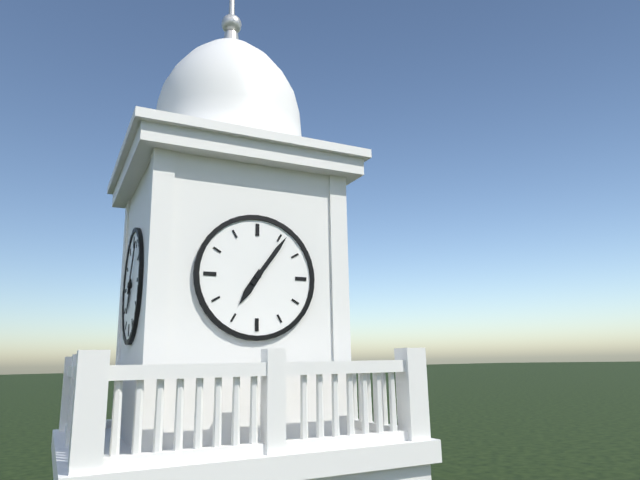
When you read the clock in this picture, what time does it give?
7:06
